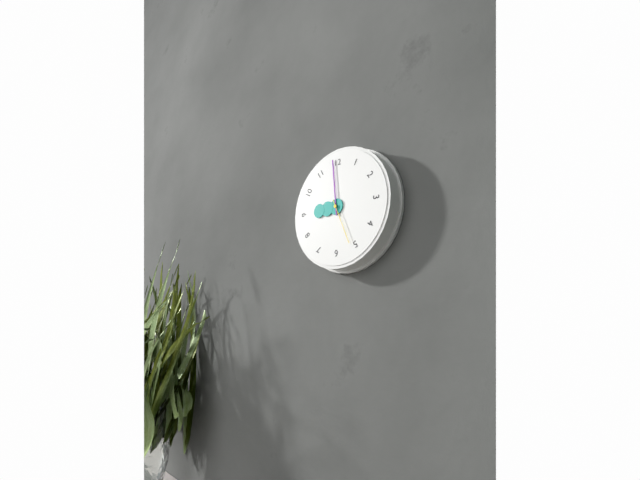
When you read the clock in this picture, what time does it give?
8:59
